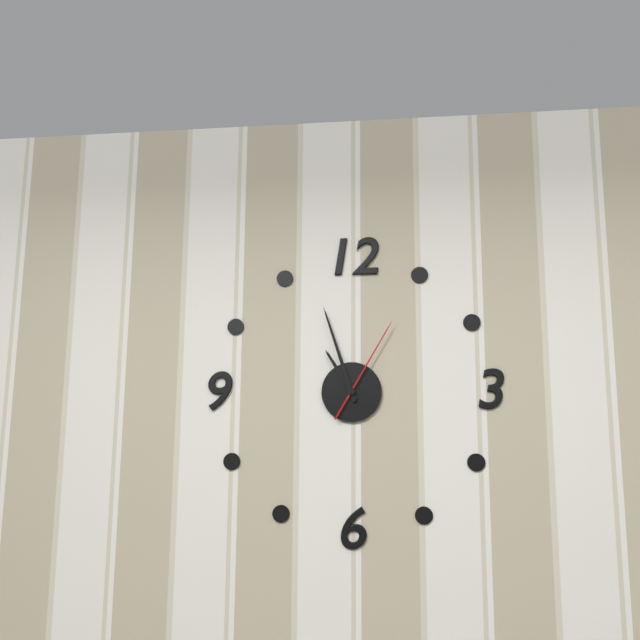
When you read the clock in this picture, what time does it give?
10:57:05
